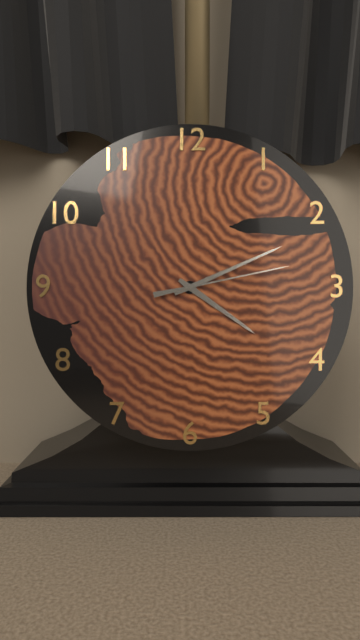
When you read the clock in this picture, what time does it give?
4:11:13
